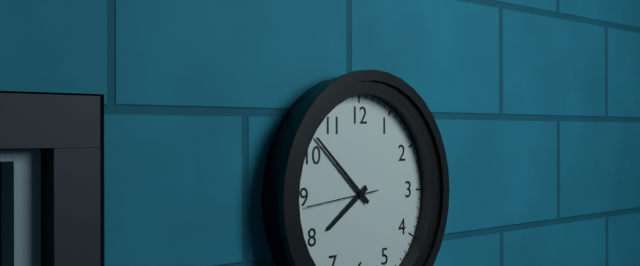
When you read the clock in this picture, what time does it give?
7:52:44
